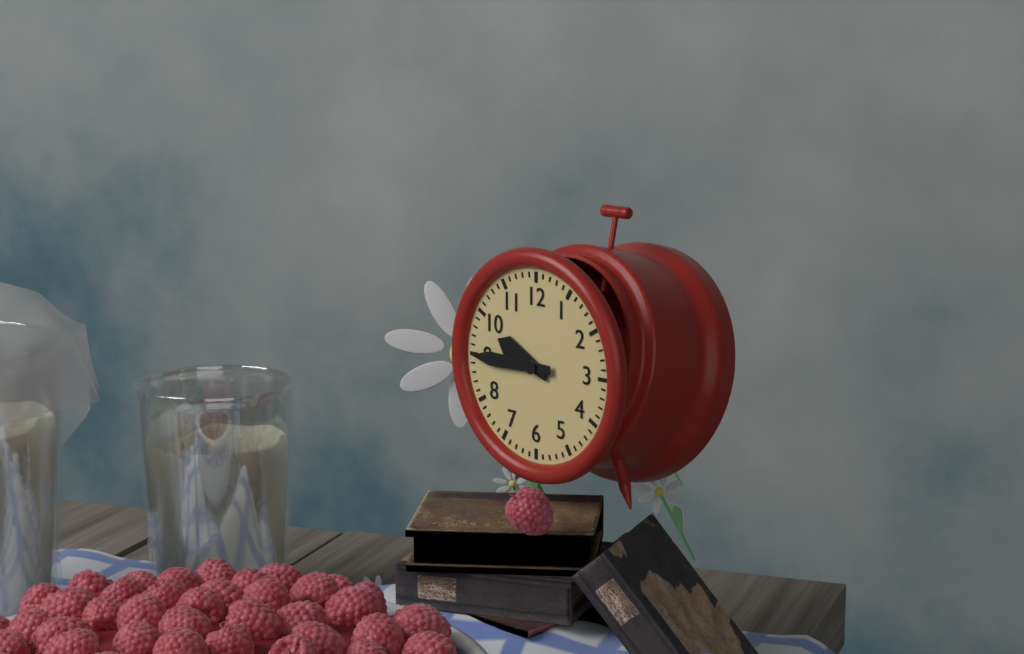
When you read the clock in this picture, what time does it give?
9:45
